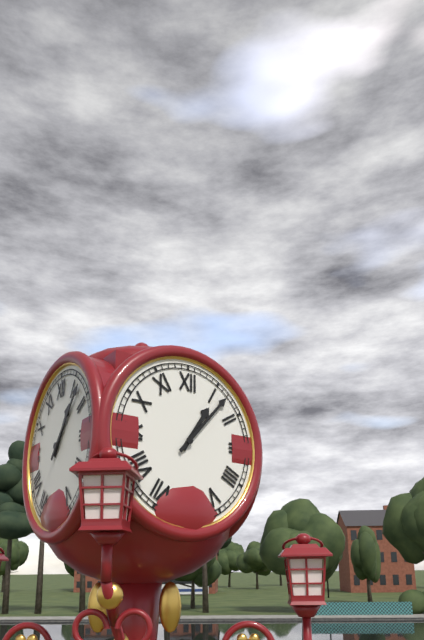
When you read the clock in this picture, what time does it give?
1:07
